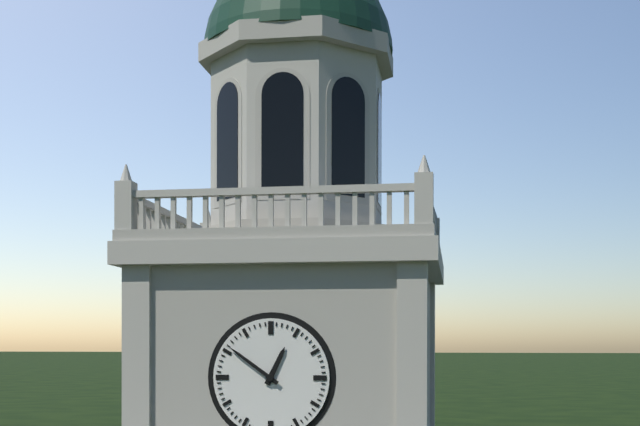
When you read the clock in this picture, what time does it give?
12:51
